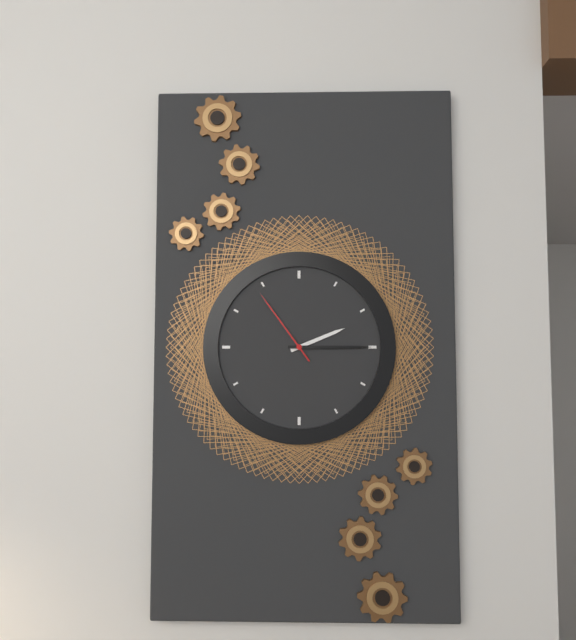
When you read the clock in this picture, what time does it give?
2:15:54
